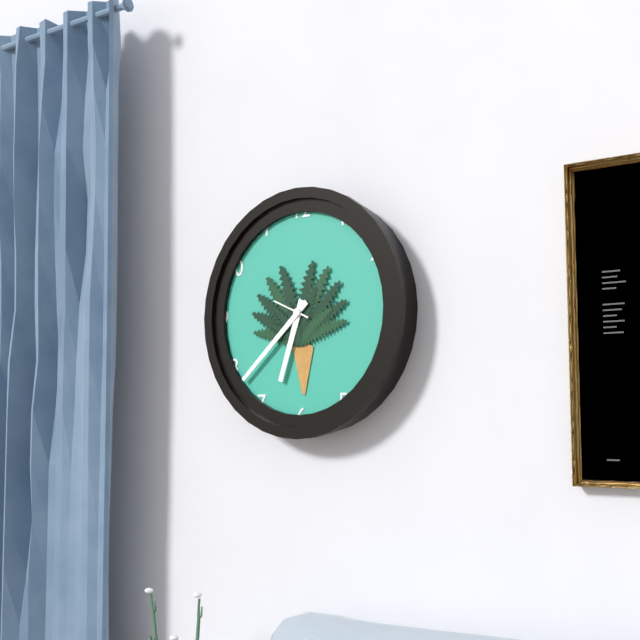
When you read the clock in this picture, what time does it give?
6:38
